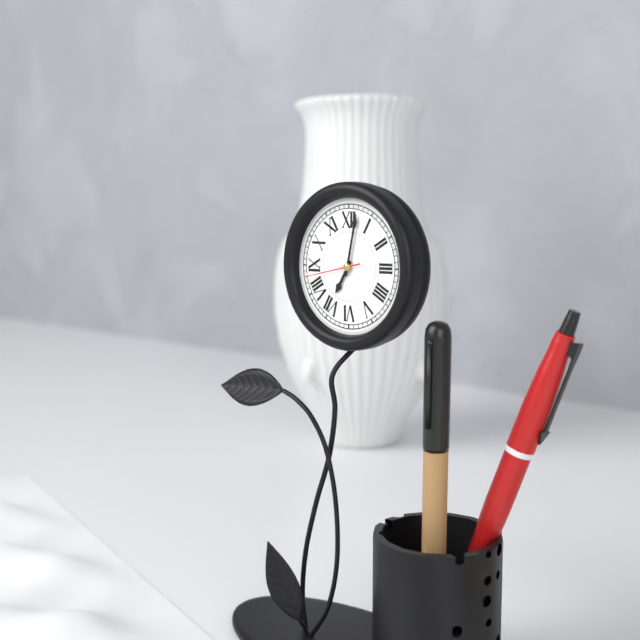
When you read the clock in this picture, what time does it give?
7:02:43
